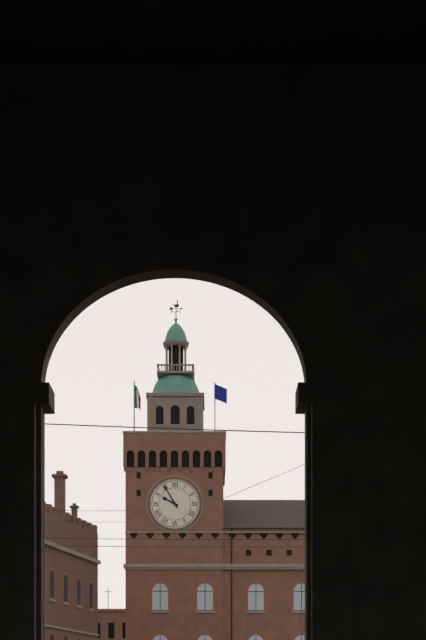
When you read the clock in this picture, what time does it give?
9:55
